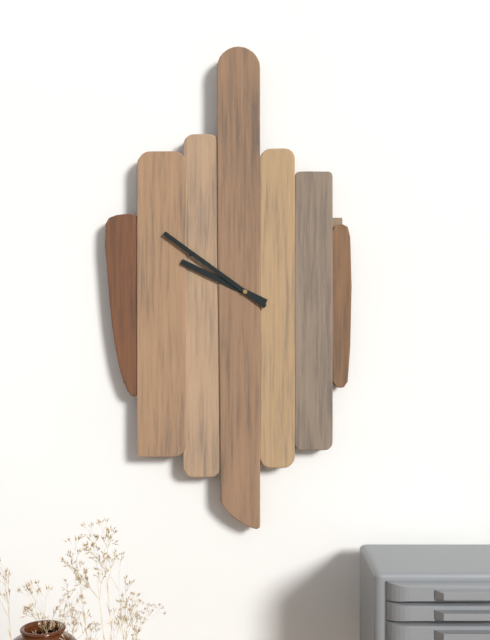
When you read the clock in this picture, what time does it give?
9:51
